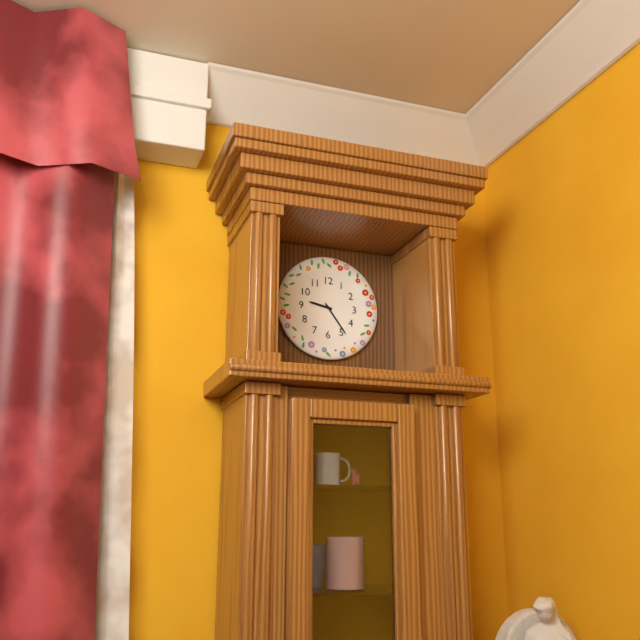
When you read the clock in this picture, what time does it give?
9:24
